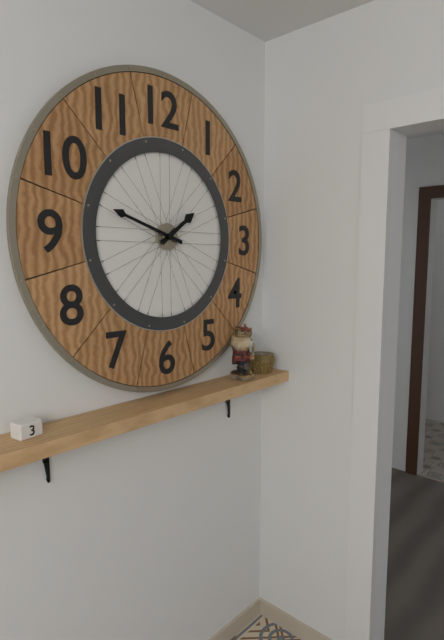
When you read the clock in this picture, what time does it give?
1:48
